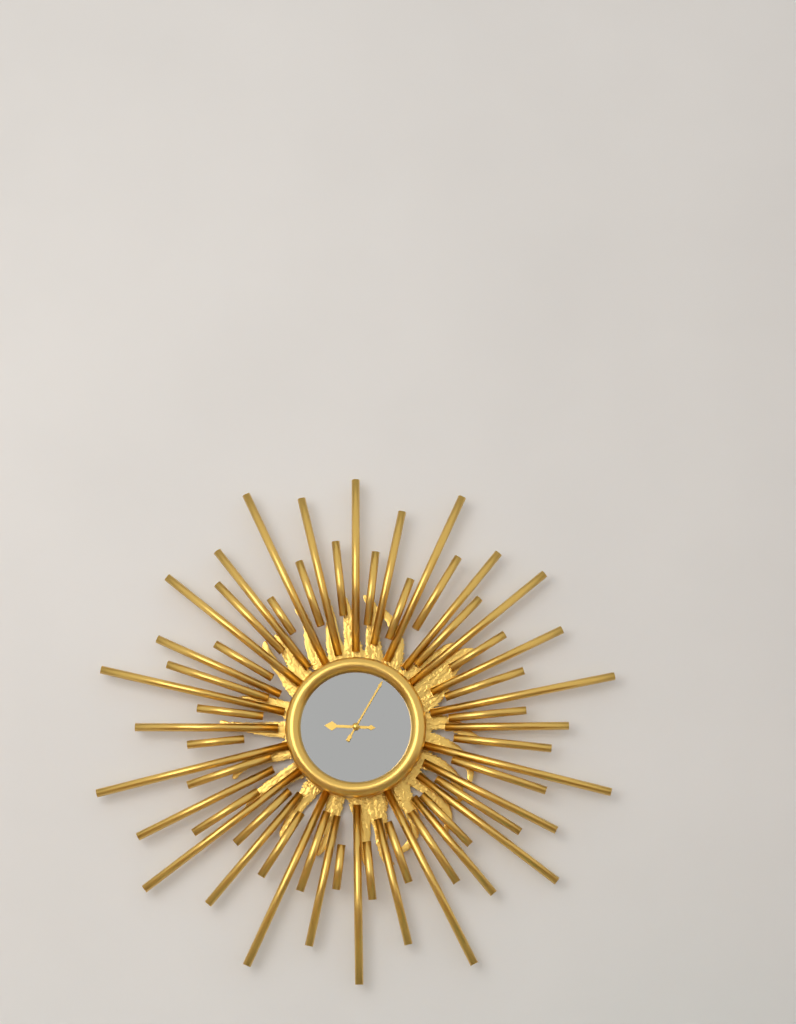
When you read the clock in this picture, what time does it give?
9:05
